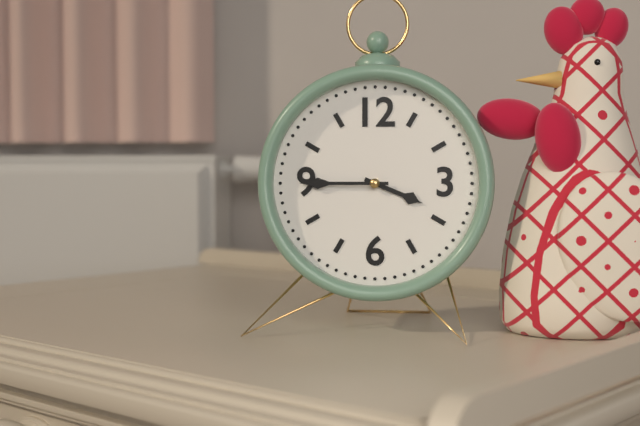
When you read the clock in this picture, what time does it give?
3:45
